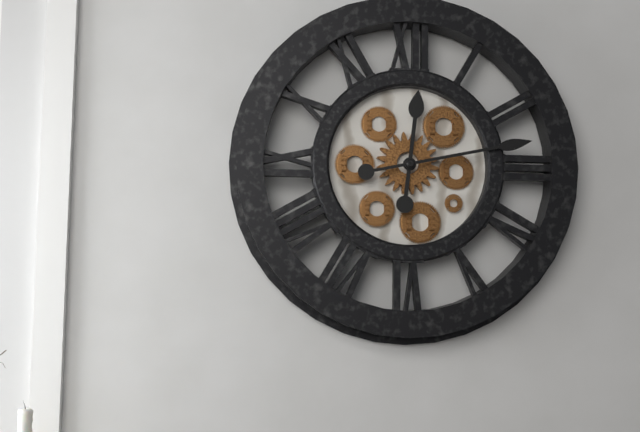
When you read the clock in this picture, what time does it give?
12:13
